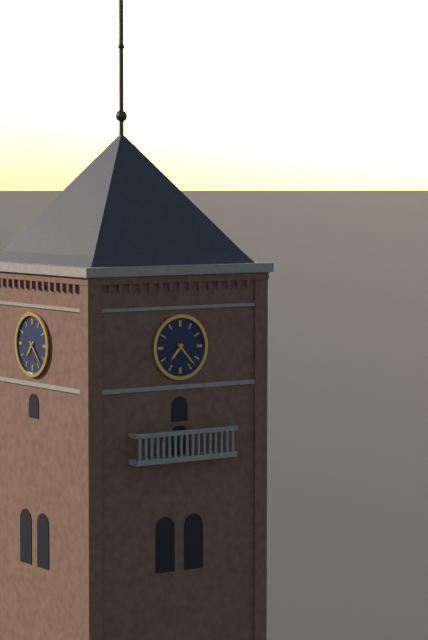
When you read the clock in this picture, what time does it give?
7:23
